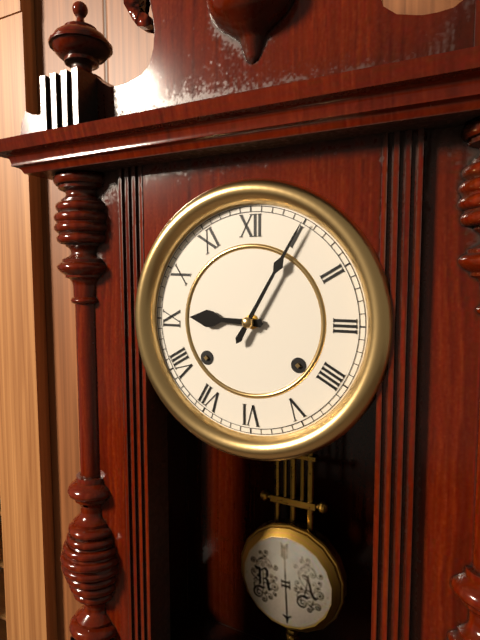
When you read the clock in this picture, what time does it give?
9:05
